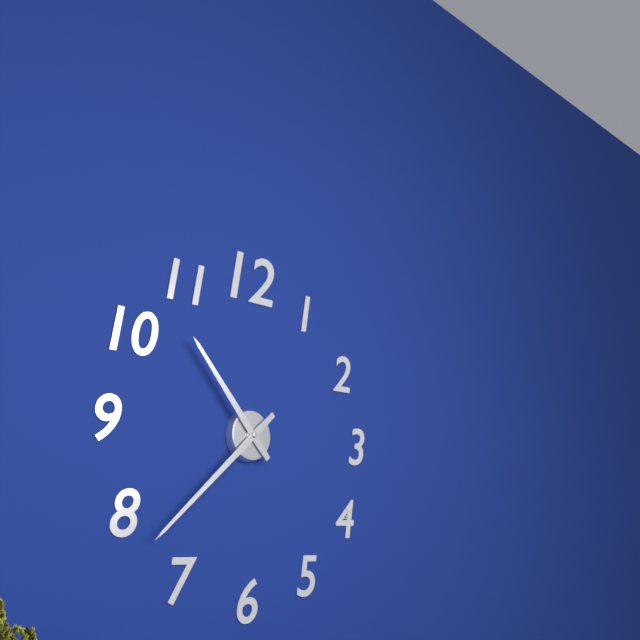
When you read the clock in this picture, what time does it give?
10:38
